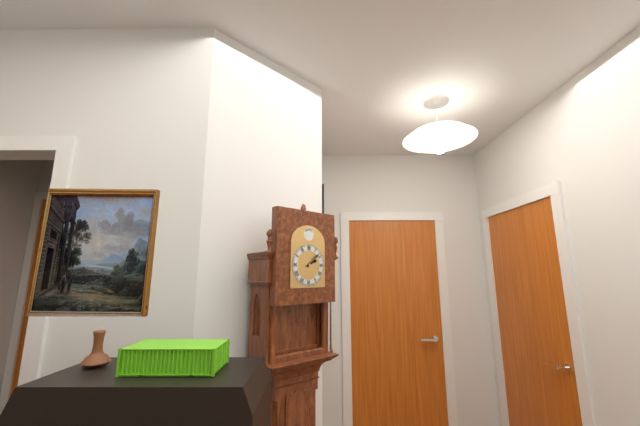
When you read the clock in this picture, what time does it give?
2:08
